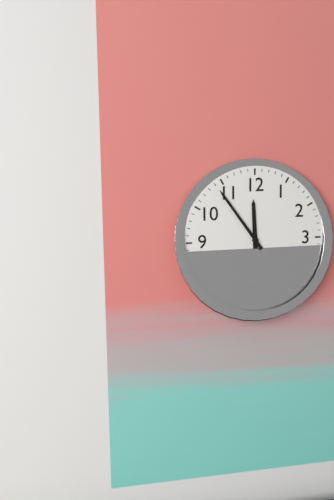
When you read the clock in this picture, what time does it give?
11:54
